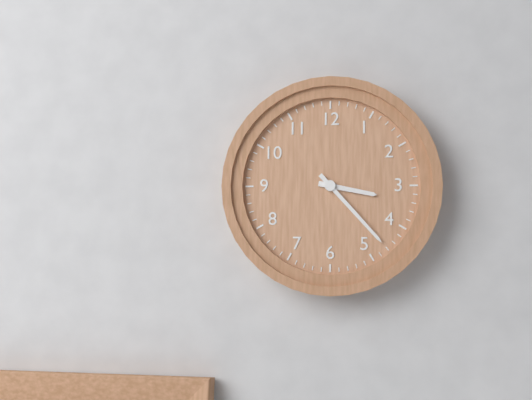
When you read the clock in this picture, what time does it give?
3:23
